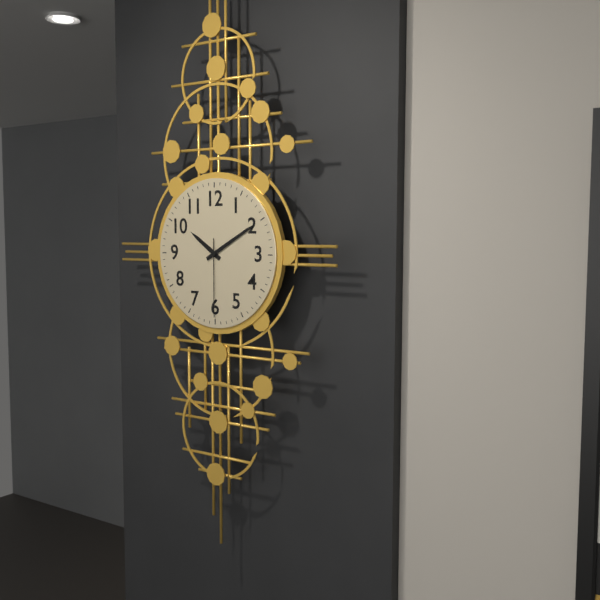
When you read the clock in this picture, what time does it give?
10:10:30
